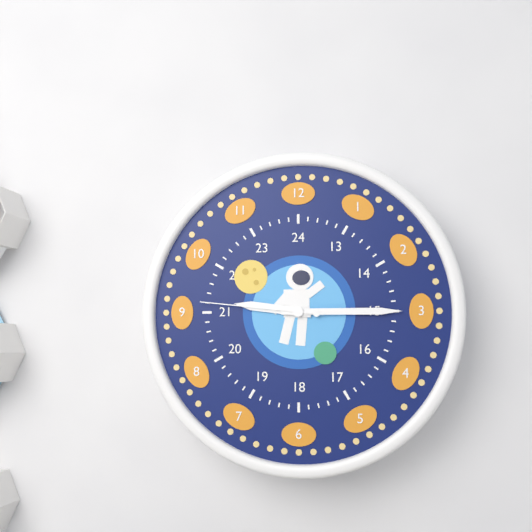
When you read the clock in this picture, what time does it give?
9:15:46
